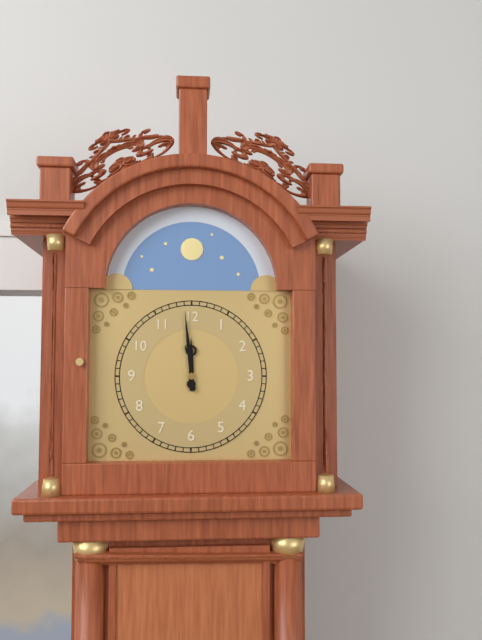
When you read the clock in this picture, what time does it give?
11:59
